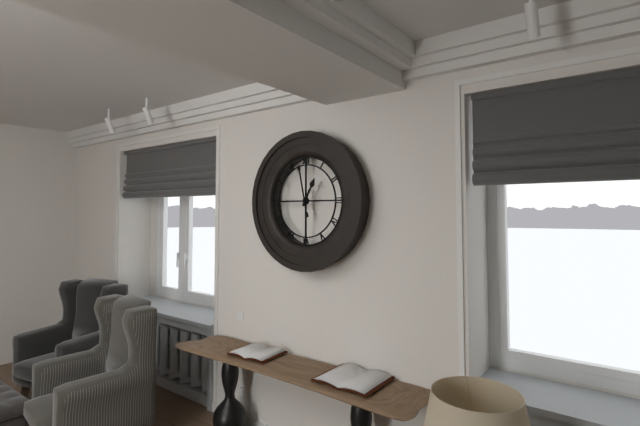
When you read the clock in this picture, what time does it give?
12:58
